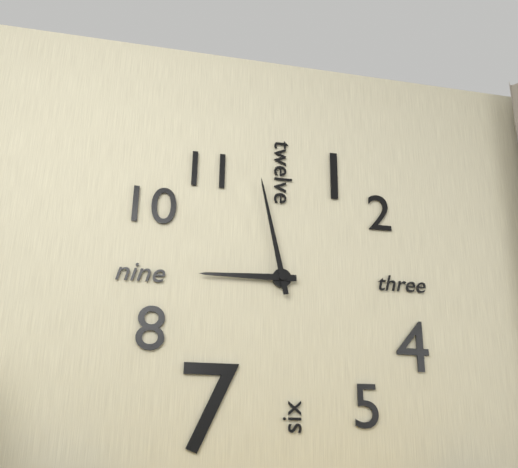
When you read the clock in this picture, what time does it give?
8:58
